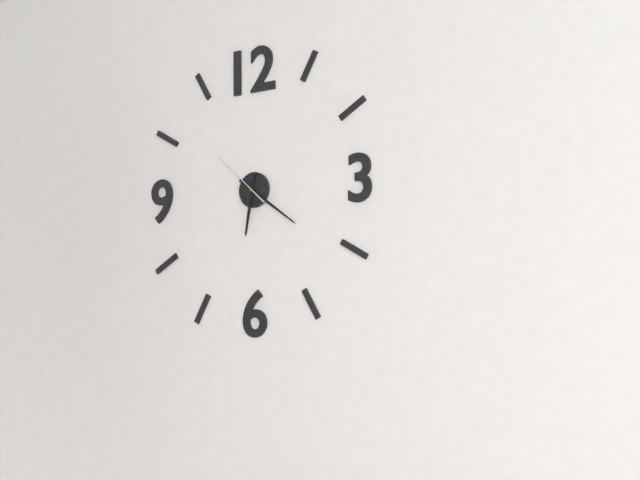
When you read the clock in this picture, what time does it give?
6:21:52
